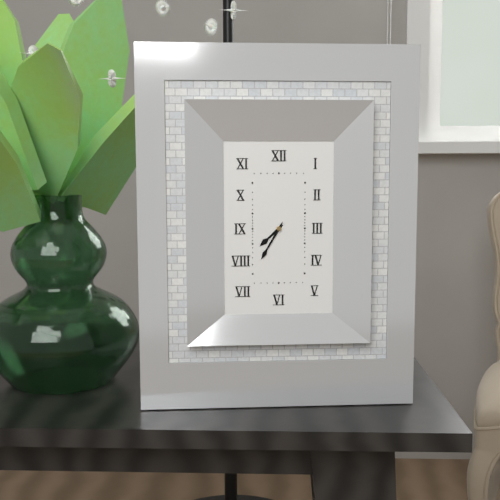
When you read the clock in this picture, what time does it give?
7:35
